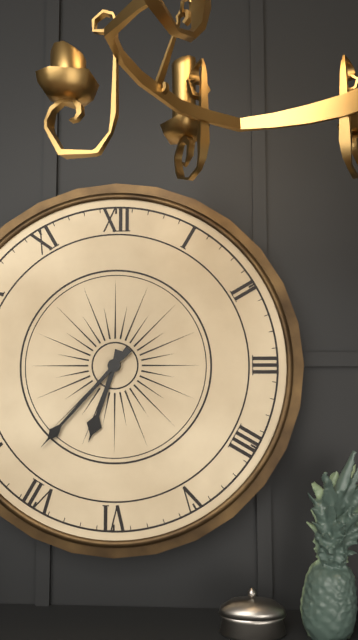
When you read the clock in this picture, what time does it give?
6:37
